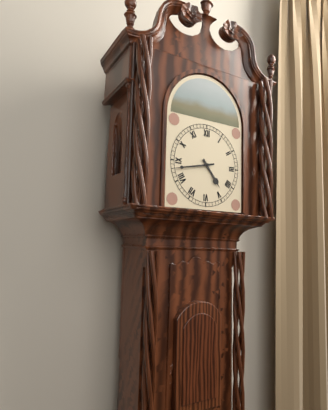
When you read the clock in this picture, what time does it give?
4:43
